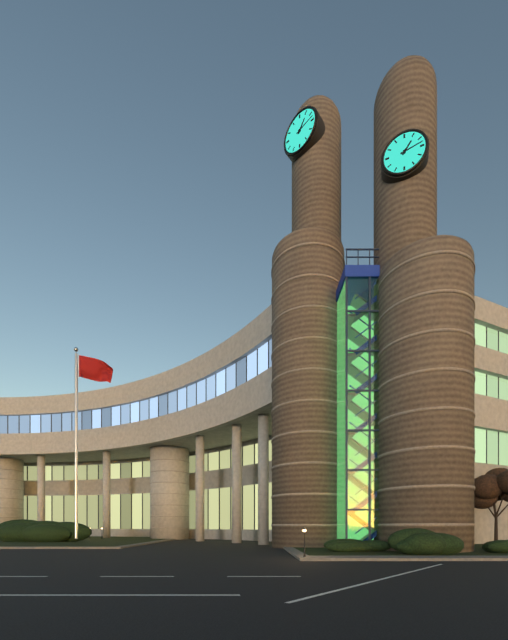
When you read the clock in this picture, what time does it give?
1:13
